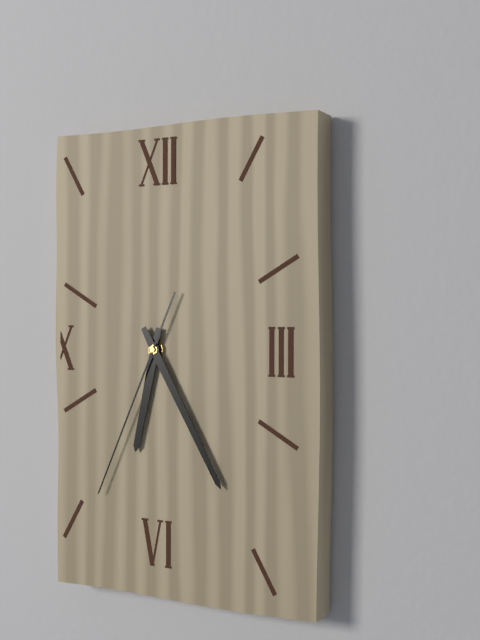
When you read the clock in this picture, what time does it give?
6:25:34
